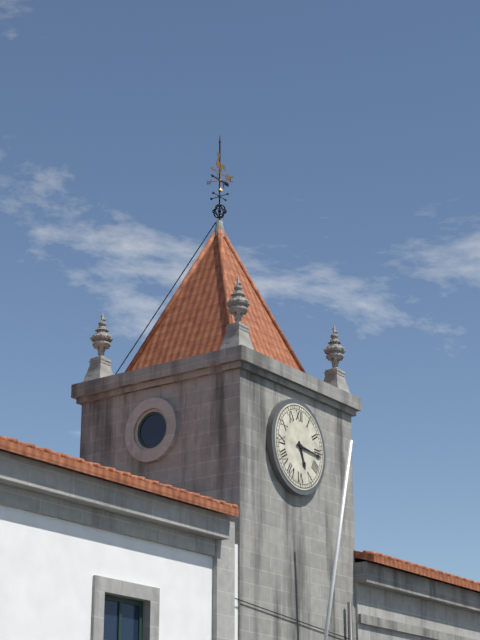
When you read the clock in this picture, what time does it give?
5:16
